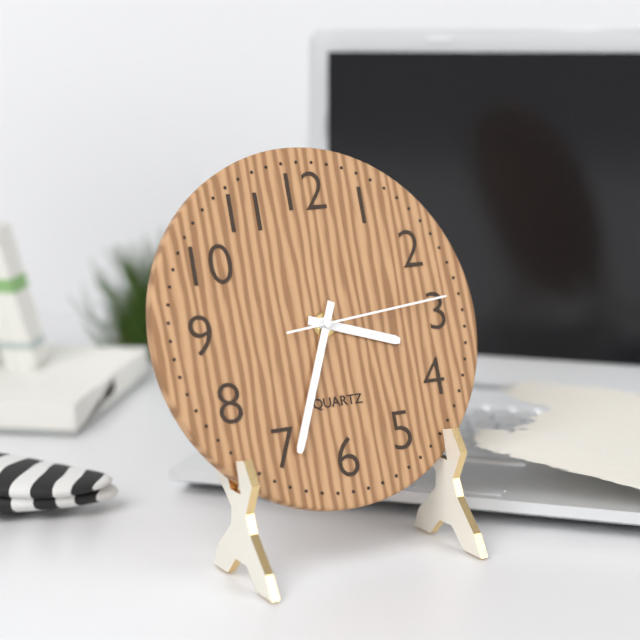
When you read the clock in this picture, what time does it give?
3:34:14
